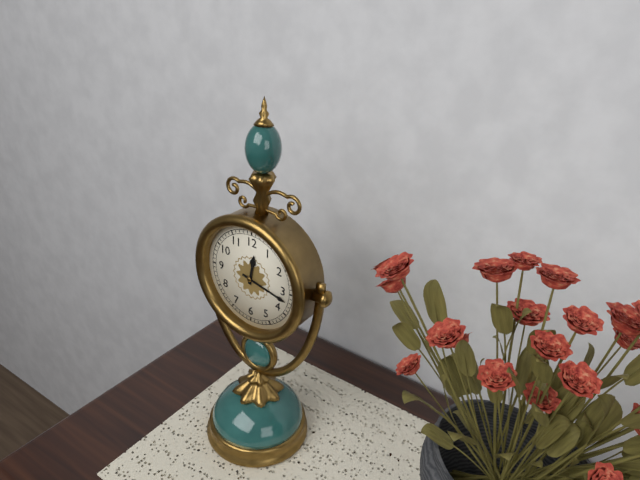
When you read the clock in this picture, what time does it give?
12:17
